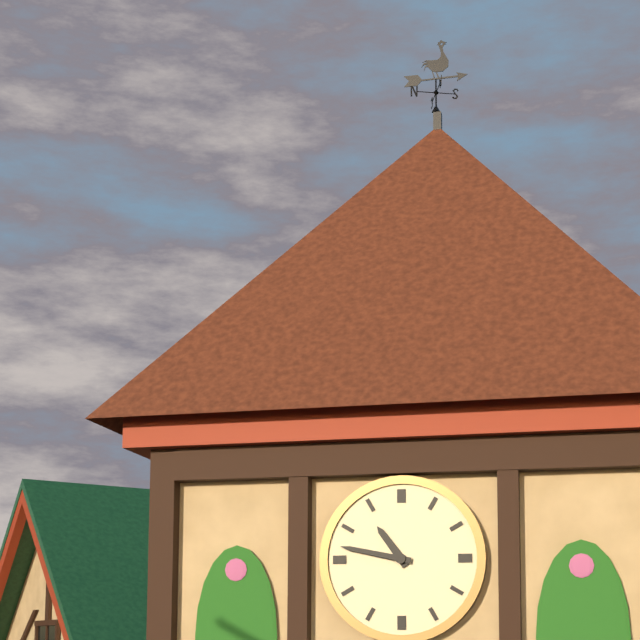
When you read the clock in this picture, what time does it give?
10:47
